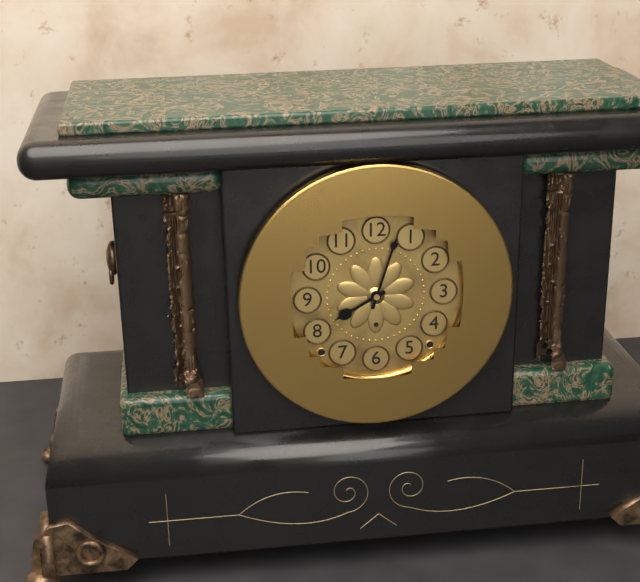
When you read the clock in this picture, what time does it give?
8:03
